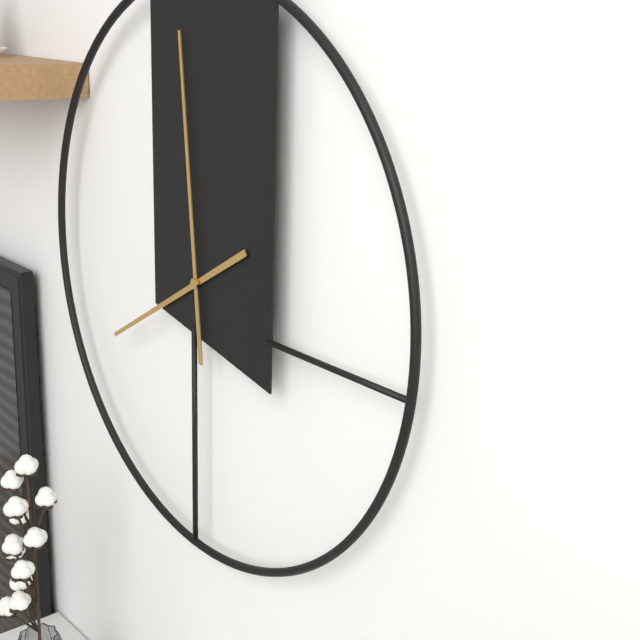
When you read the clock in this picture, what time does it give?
7:59
